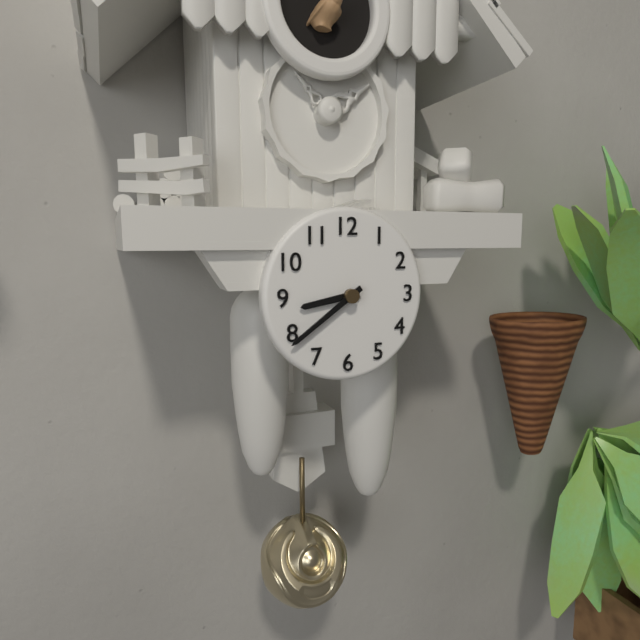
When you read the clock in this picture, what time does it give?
8:39
